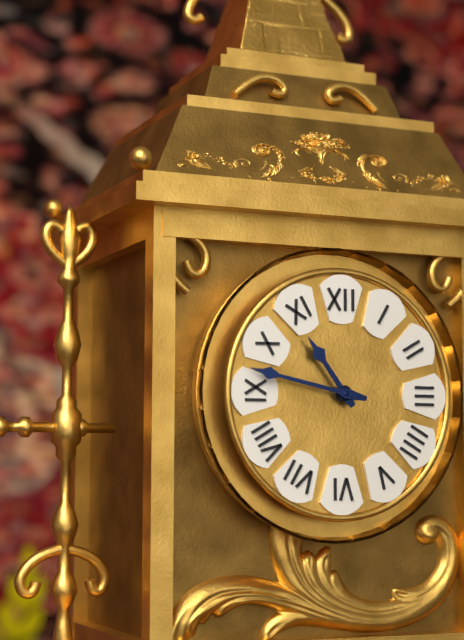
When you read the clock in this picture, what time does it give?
10:47
